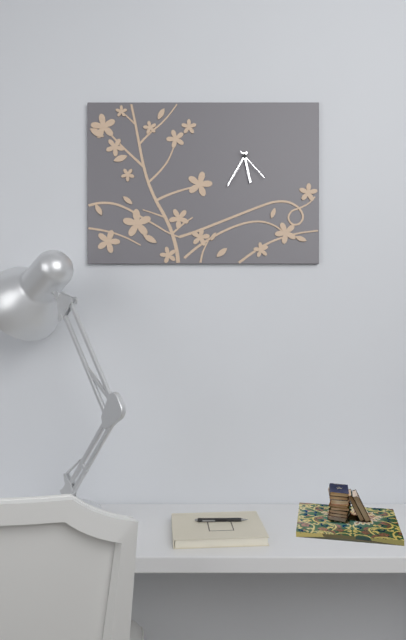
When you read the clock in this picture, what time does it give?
5:35
